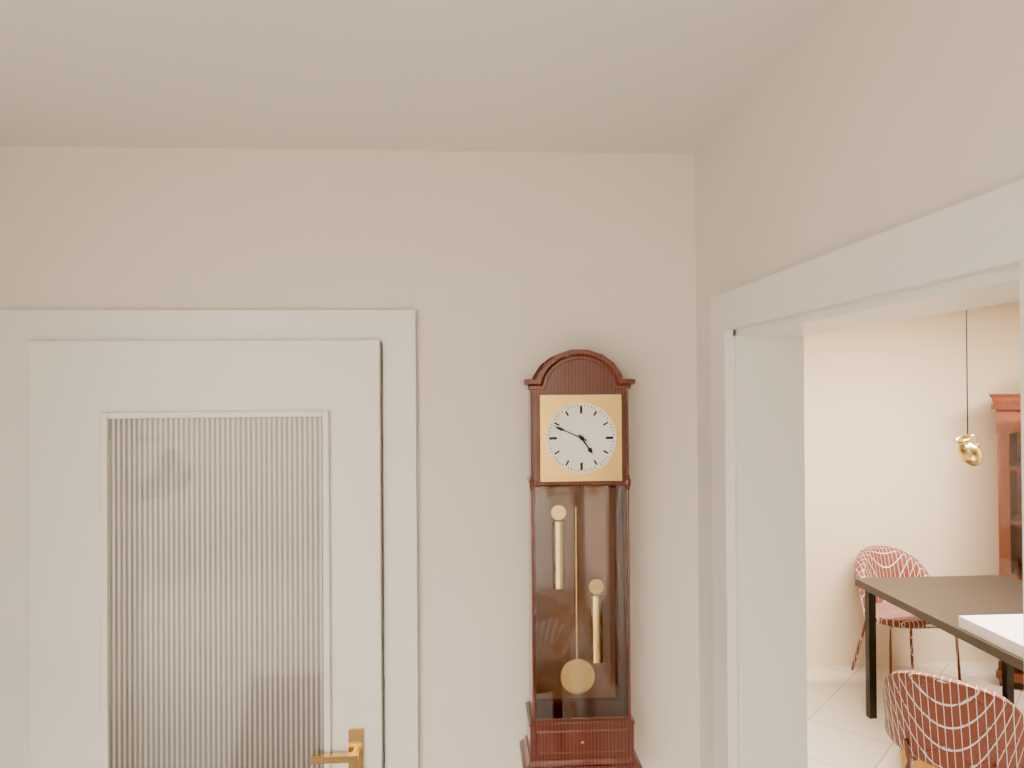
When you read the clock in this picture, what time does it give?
4:49
